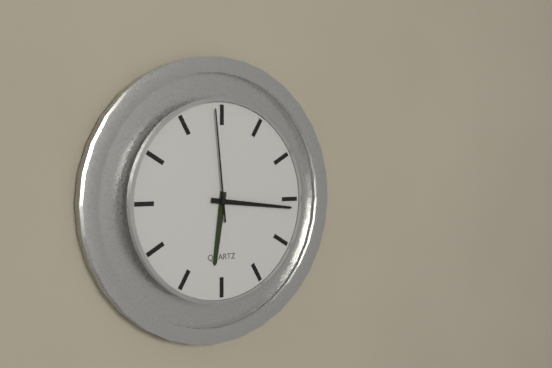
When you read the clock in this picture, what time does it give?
6:16:59
